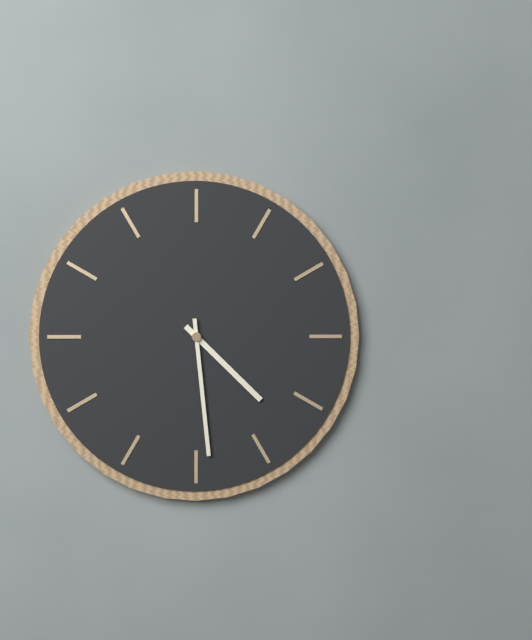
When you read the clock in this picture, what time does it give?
4:29
